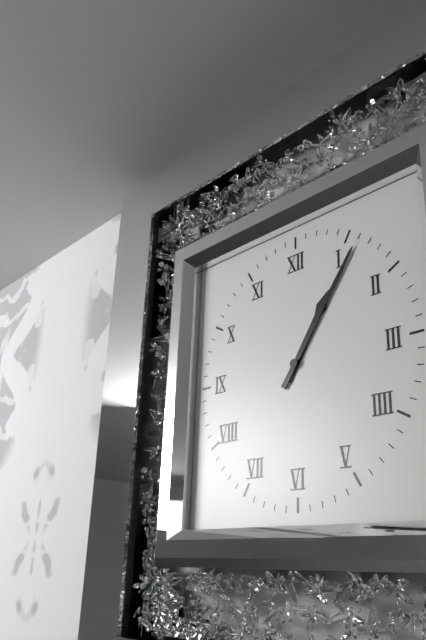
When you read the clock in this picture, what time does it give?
1:06
